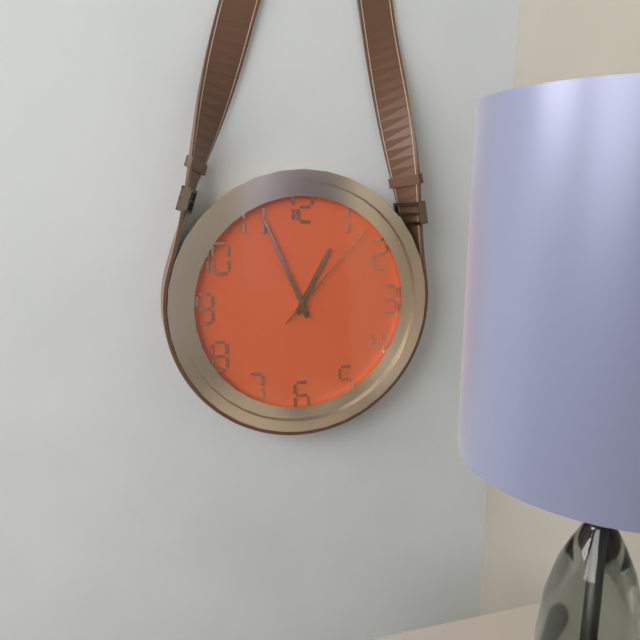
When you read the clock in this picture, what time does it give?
12:56:07
